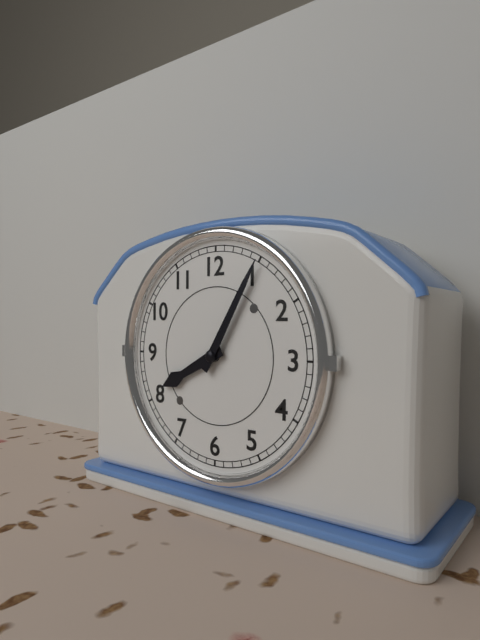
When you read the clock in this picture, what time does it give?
8:05
